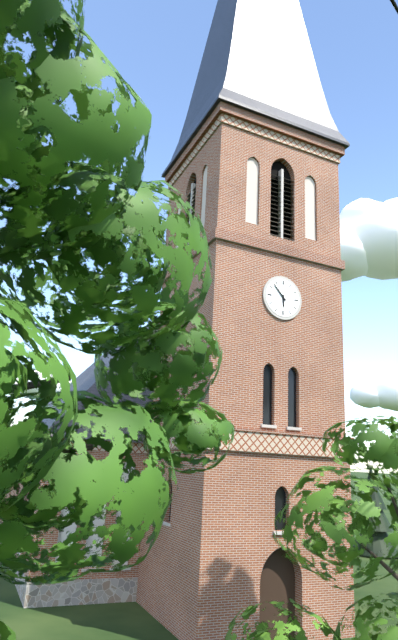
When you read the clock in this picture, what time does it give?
5:53
